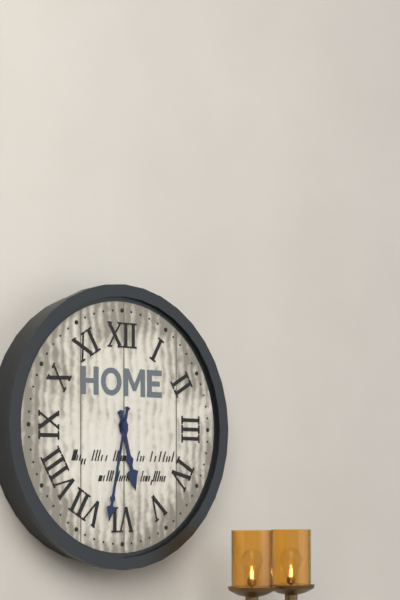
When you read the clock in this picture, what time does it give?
5:32
